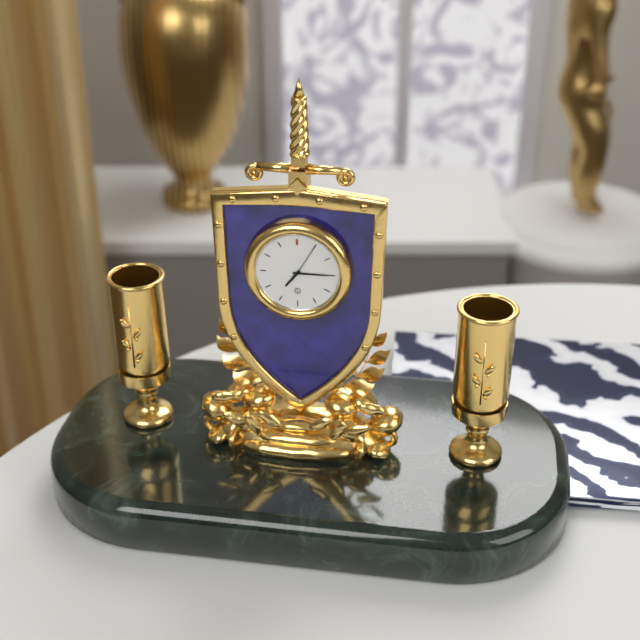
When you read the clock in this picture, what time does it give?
7:15
